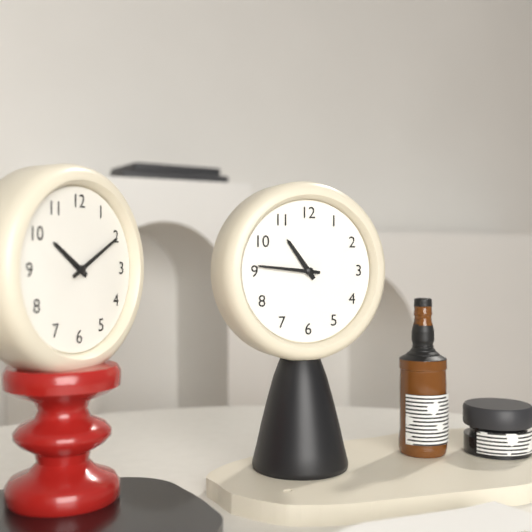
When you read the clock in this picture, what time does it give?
10:46
